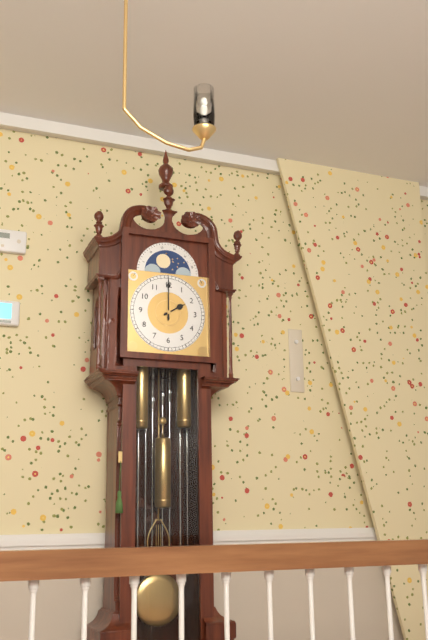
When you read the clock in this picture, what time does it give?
2:00
